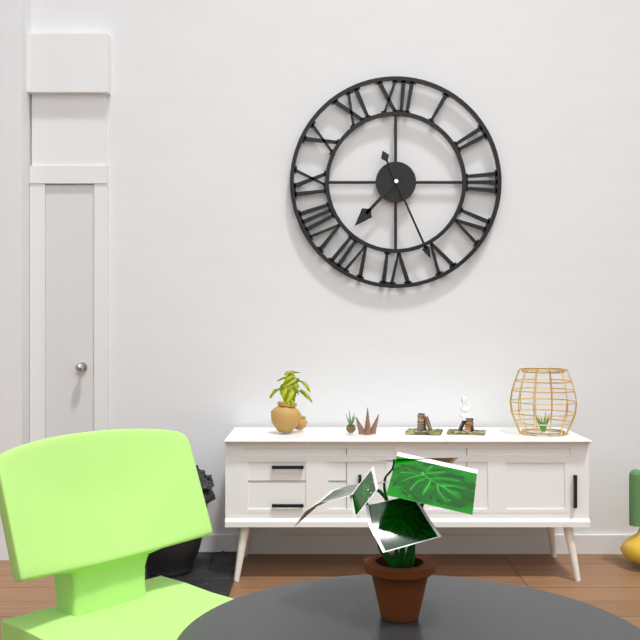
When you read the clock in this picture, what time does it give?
7:26
